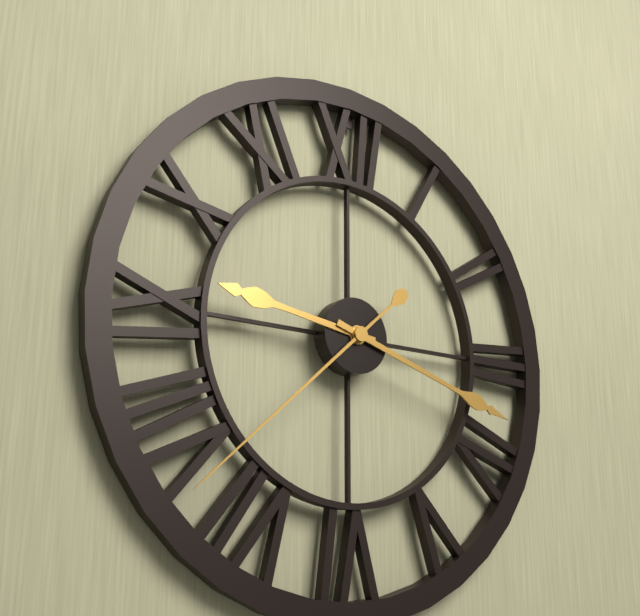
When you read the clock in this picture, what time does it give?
9:18:38
